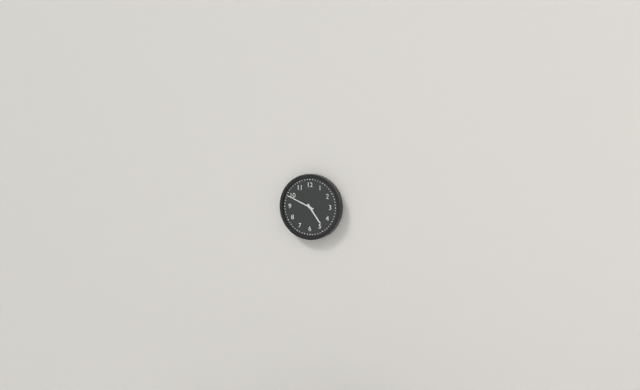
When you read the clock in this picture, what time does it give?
4:49
